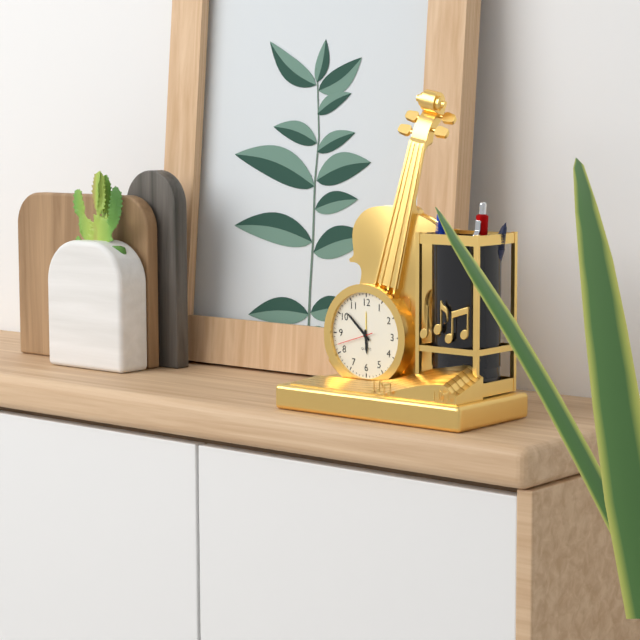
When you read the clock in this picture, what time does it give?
5:52
